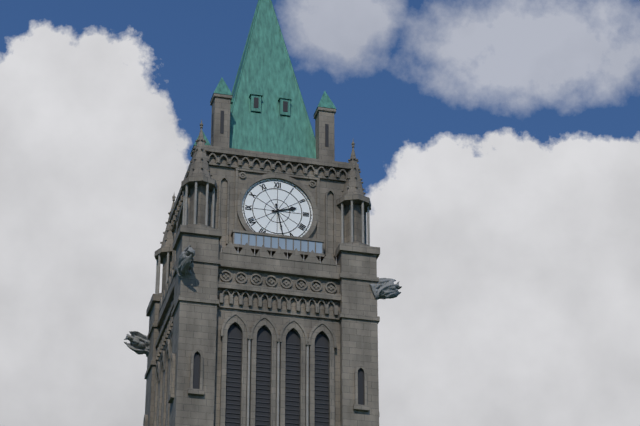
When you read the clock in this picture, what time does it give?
2:28
